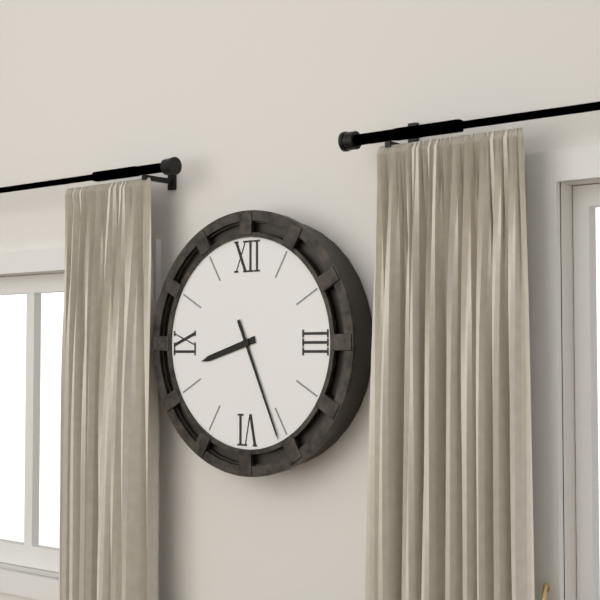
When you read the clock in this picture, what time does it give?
8:26
